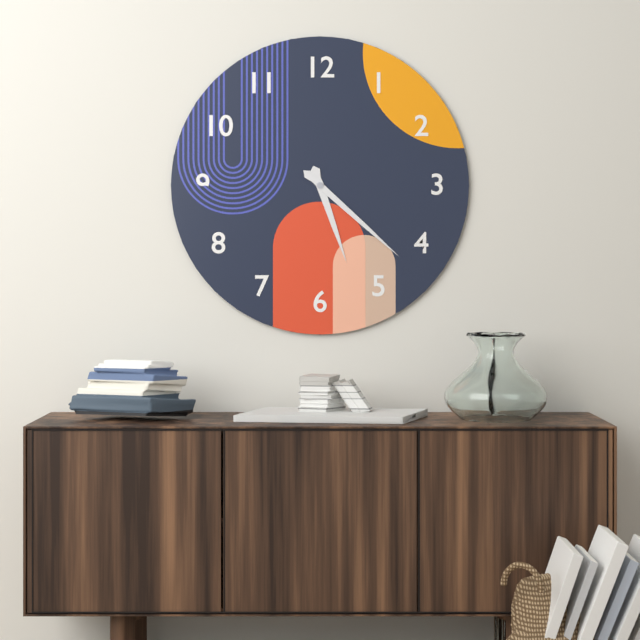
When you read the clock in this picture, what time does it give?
5:22
